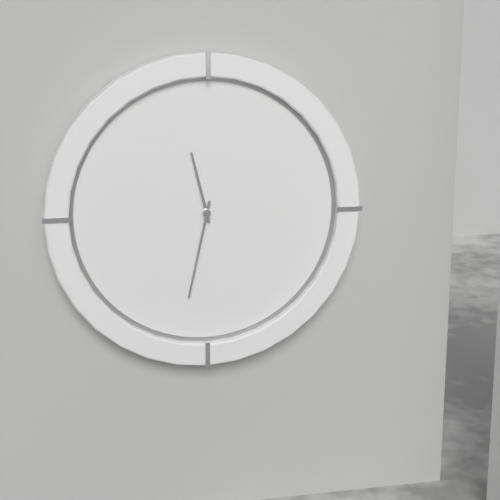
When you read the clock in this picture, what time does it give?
11:32
